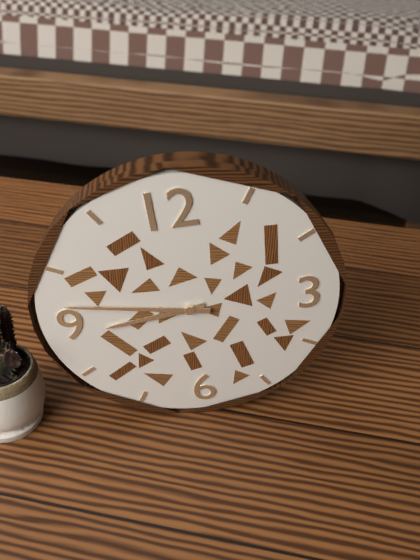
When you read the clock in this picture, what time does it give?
8:47
